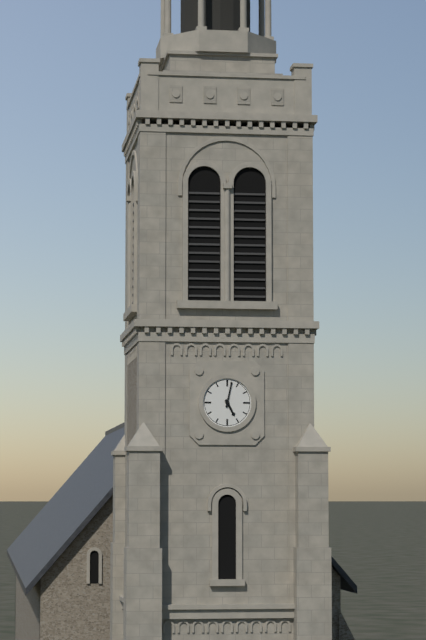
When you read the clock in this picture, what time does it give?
5:02
